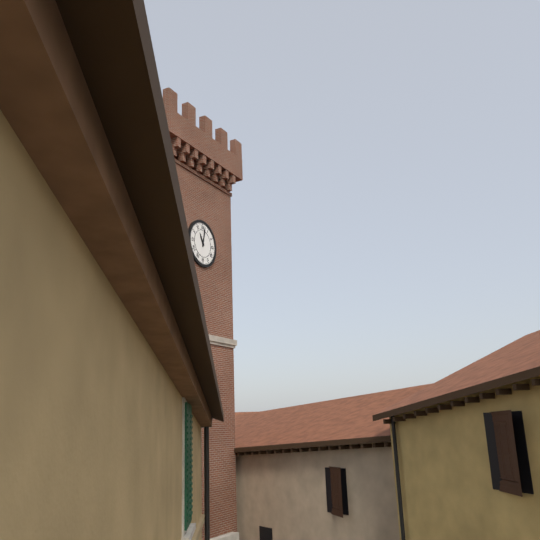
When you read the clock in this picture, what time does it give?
11:02
